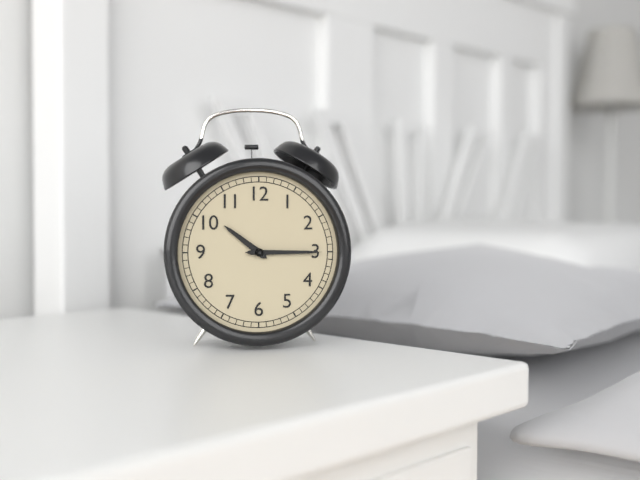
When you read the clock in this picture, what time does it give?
10:15
